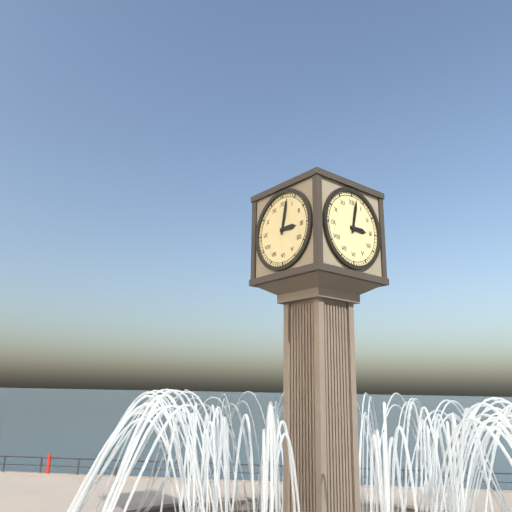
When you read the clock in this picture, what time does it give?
3:02
